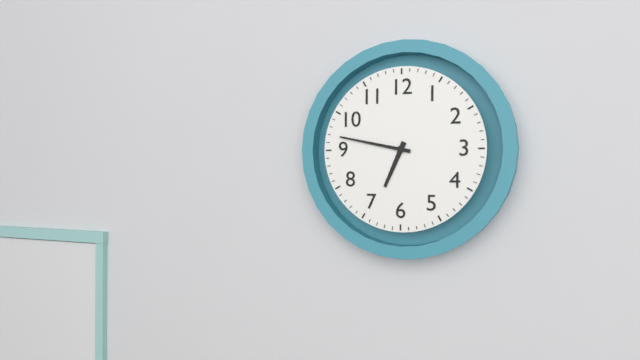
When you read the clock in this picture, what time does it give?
6:47
